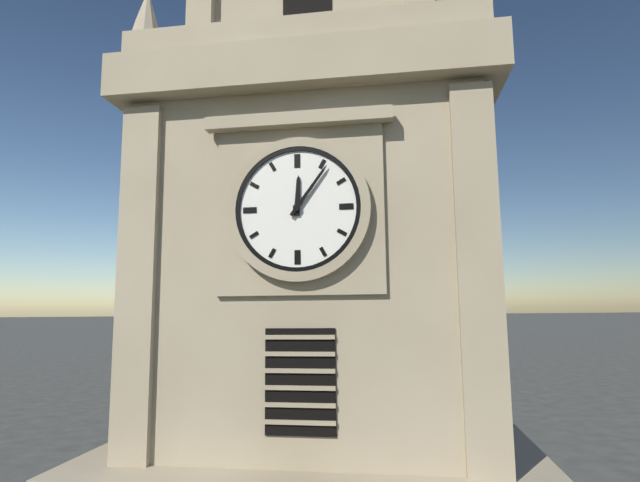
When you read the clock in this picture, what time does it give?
12:06
